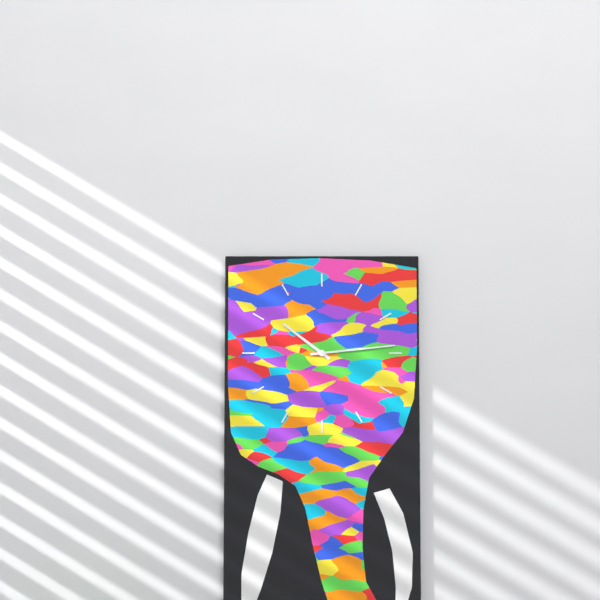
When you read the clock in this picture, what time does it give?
10:14
